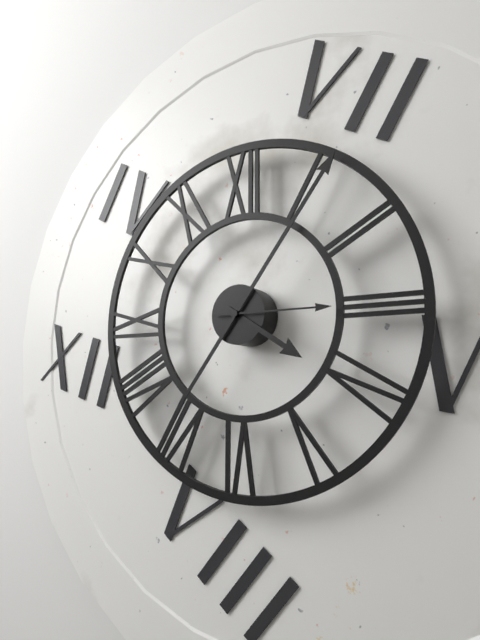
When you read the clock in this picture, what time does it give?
4:06:15
